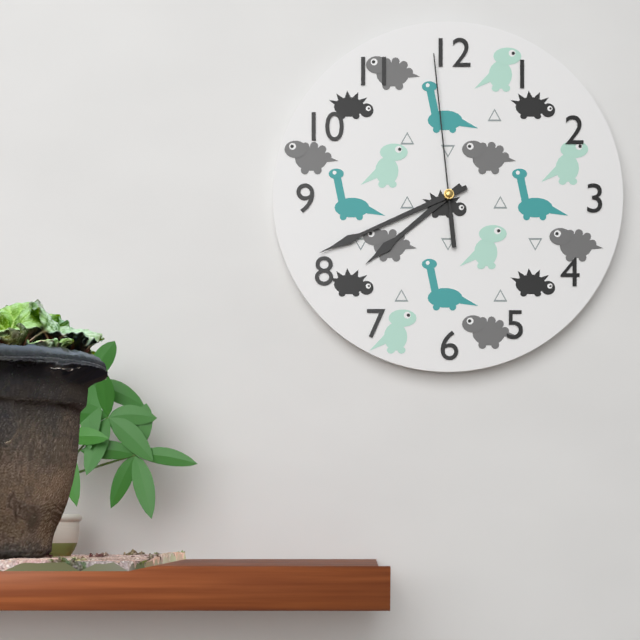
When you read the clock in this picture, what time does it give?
7:41:59
